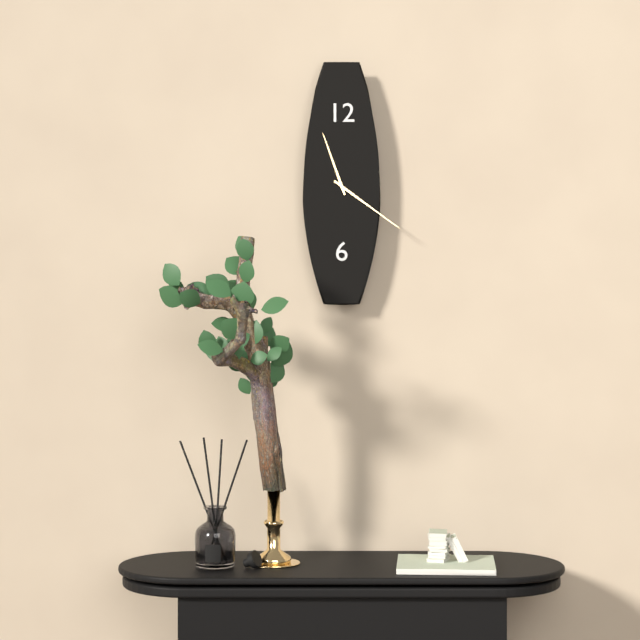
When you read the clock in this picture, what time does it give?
11:21
